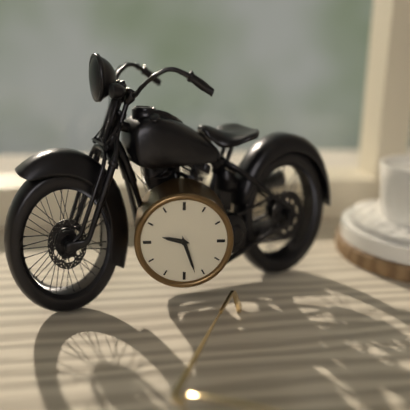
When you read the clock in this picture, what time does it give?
9:27
